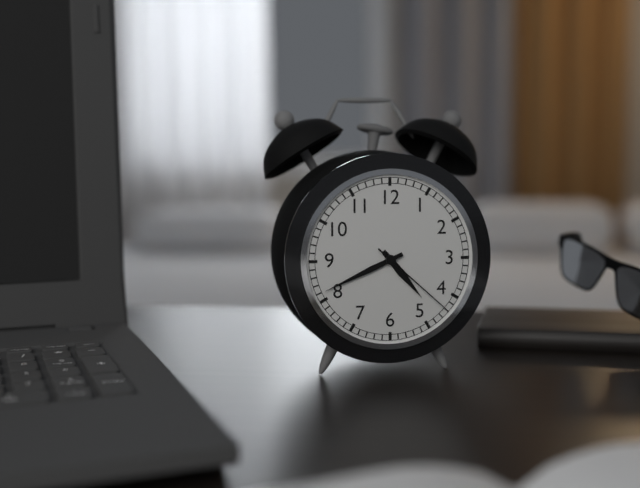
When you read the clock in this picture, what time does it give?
4:41:22
